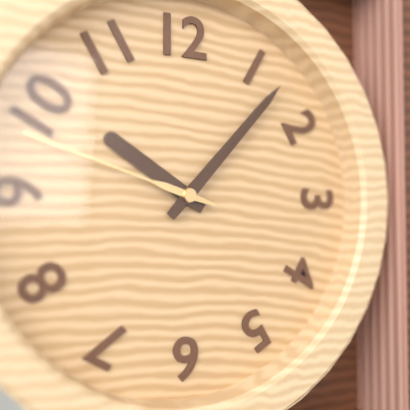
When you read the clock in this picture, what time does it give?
10:07:48
